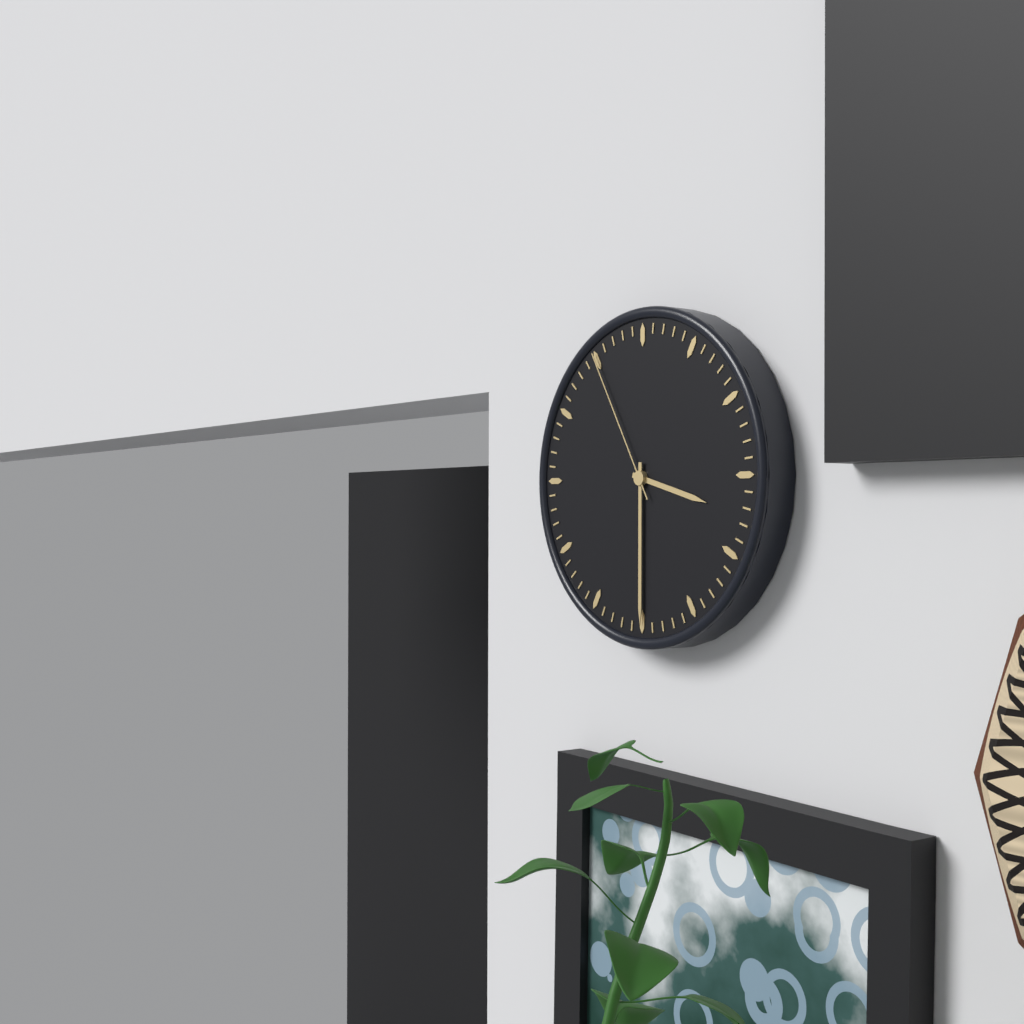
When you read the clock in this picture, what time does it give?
3:30:55
